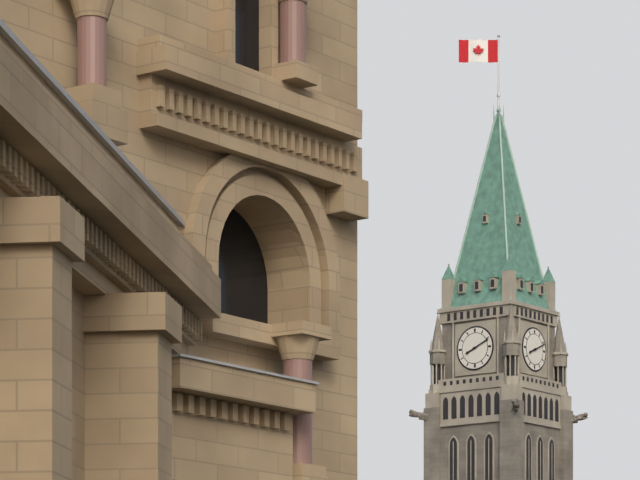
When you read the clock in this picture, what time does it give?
8:11
